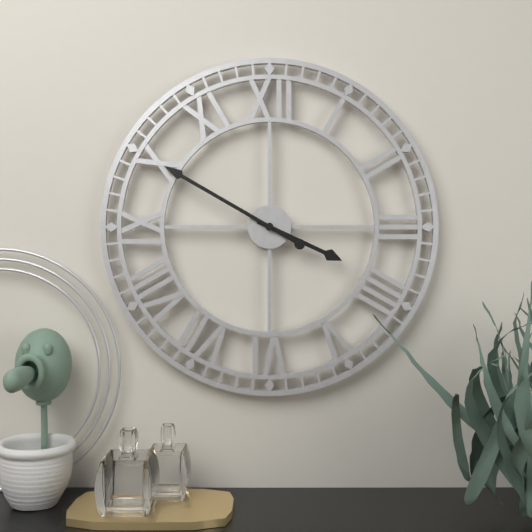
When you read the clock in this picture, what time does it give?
3:50
